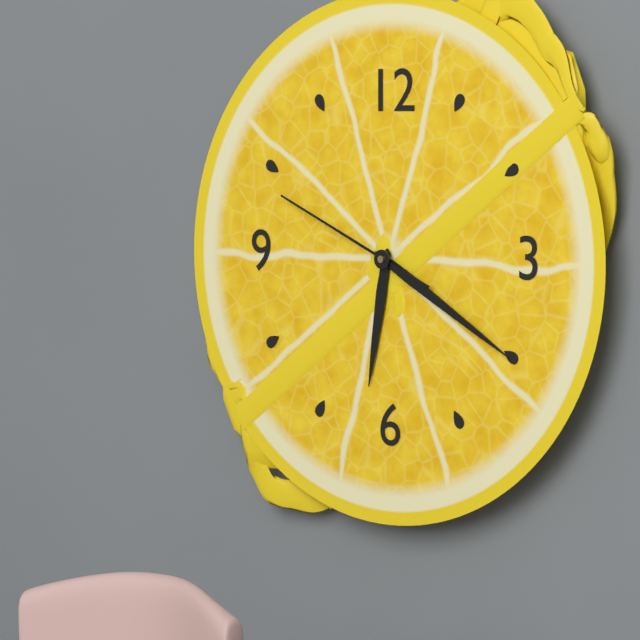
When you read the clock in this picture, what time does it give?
6:20:49
